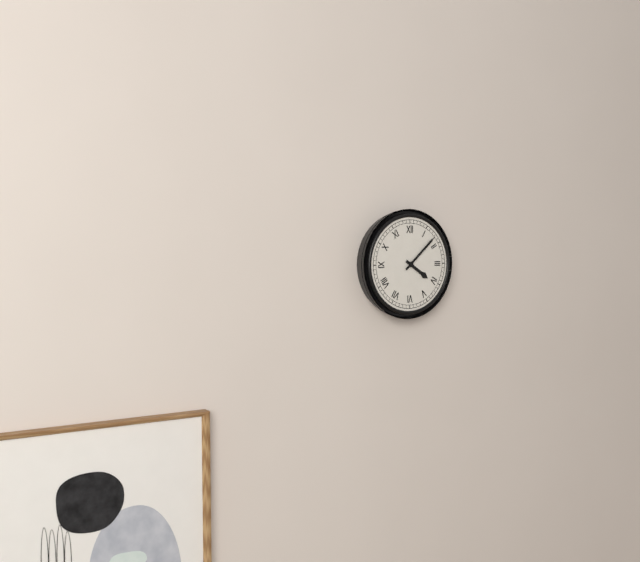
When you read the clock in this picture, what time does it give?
4:08
